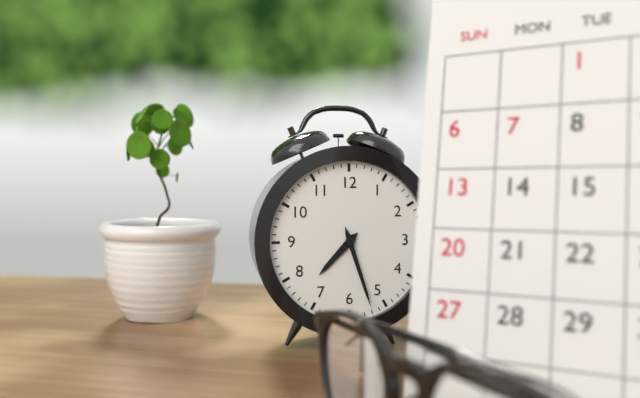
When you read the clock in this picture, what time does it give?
7:27
